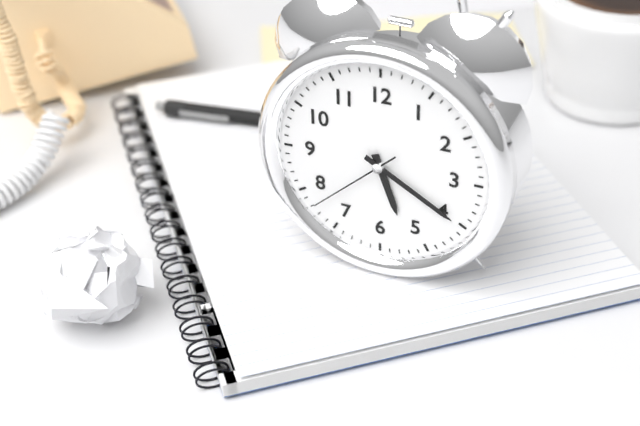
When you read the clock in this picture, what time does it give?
5:20:38
